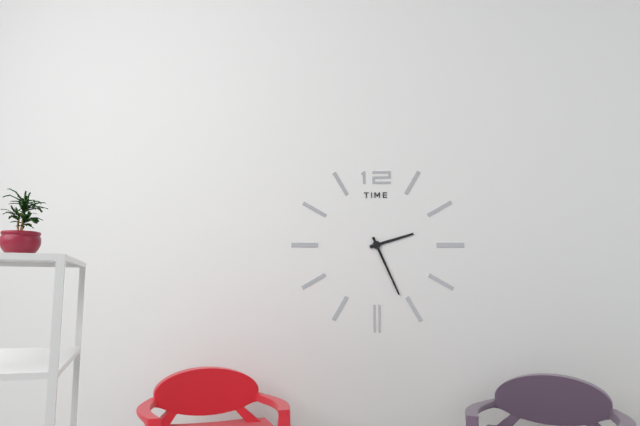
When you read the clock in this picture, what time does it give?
2:26
